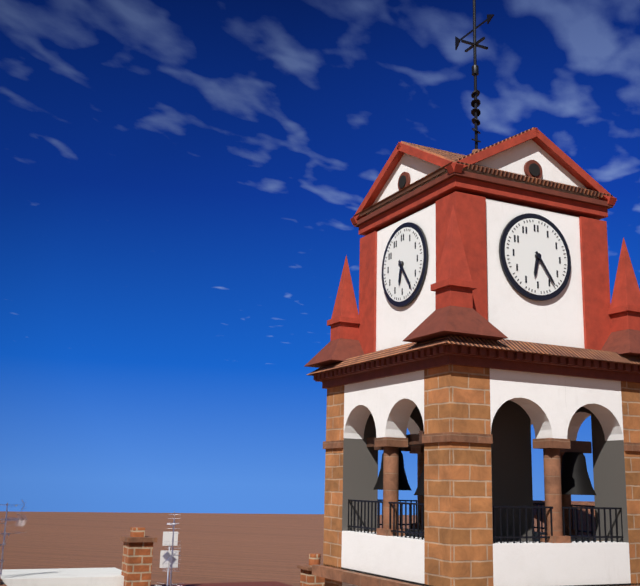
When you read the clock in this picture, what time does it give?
6:24
